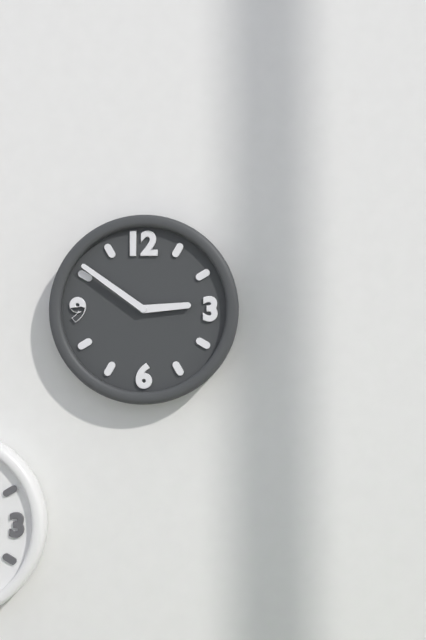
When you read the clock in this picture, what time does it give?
2:51
